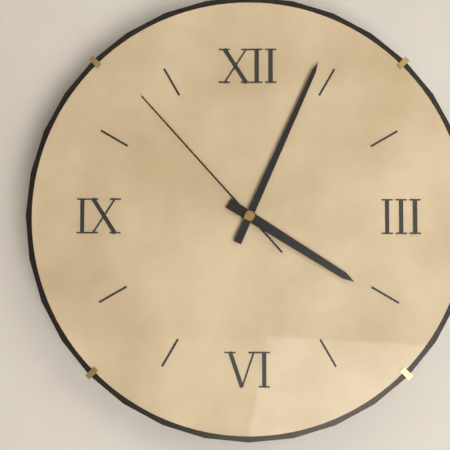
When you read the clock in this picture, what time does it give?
4:04:53
